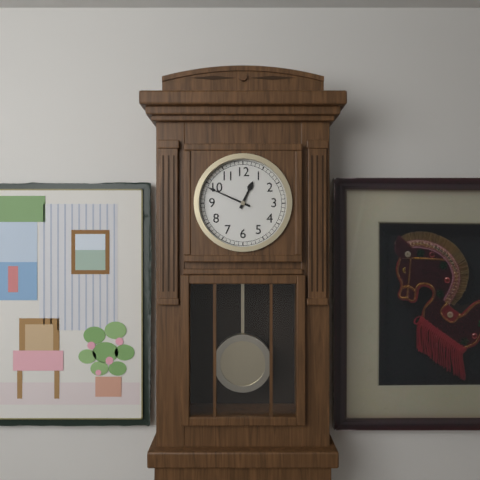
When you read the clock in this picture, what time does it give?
12:49
